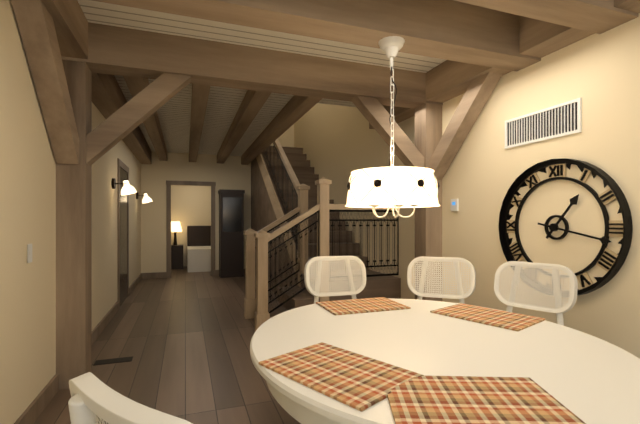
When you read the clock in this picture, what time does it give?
1:17
